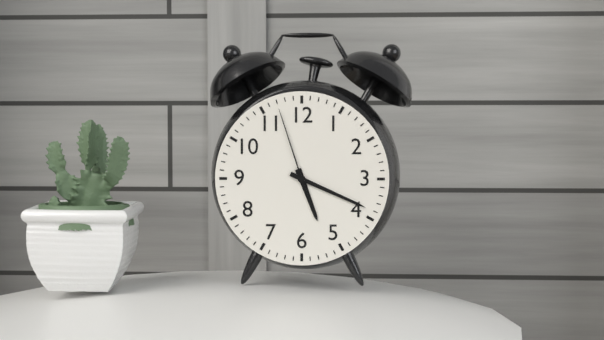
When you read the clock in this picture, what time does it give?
5:19:57
